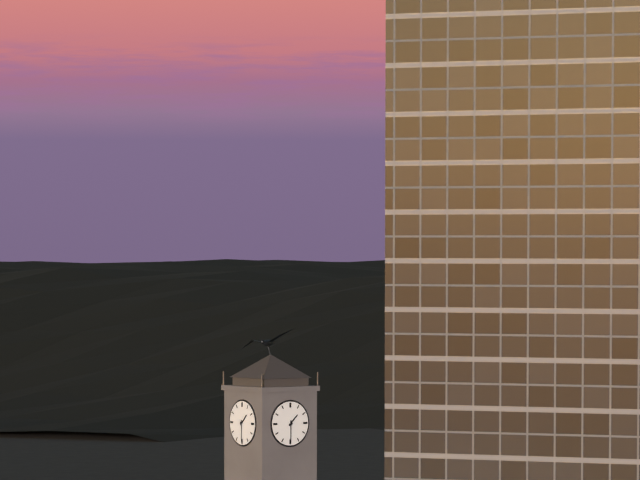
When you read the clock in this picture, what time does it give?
1:30
